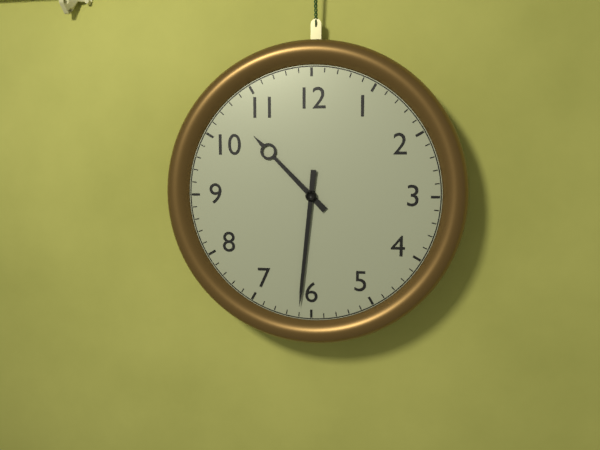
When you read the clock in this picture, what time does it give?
10:31
